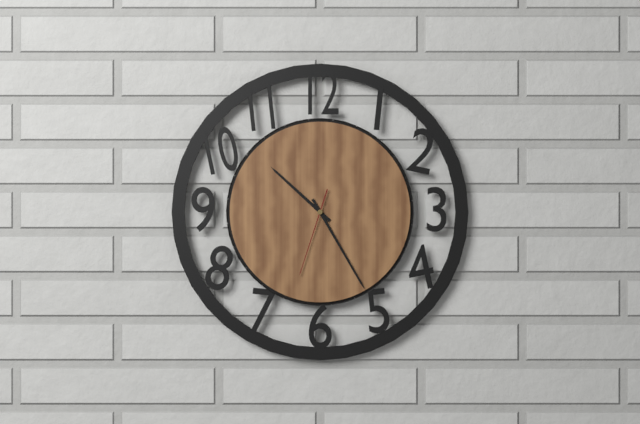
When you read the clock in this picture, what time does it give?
10:25:33
